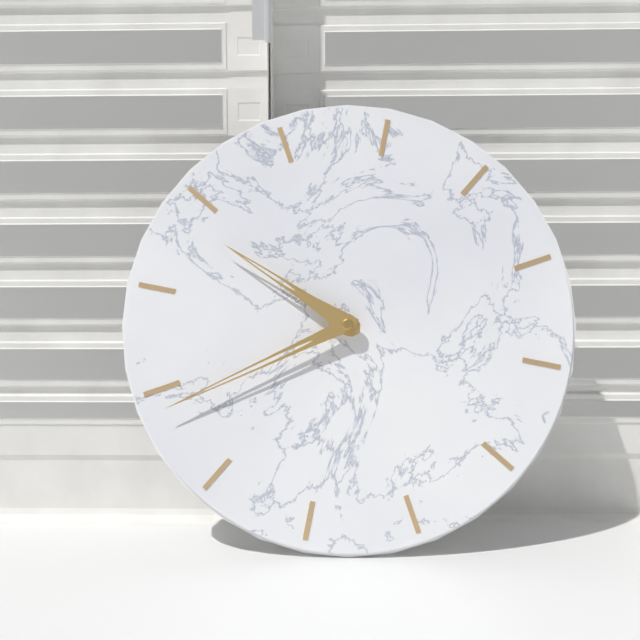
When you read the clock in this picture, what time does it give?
10:44
